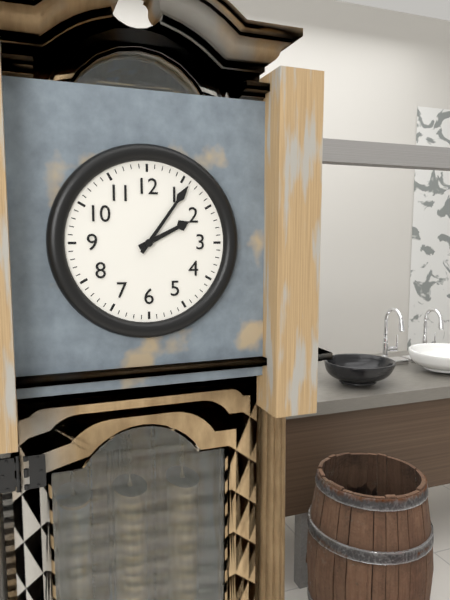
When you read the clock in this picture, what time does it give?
2:06
